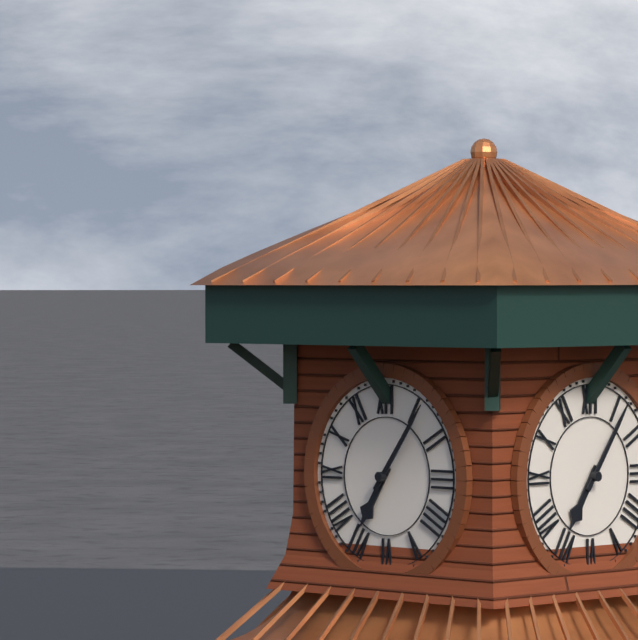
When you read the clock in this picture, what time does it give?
7:06
